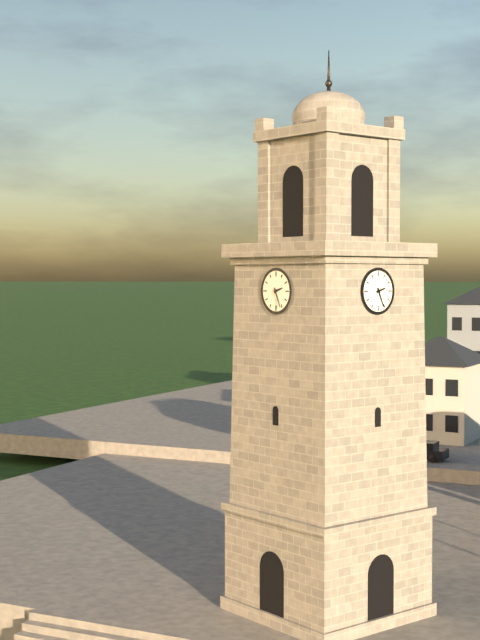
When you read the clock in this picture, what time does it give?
2:26
